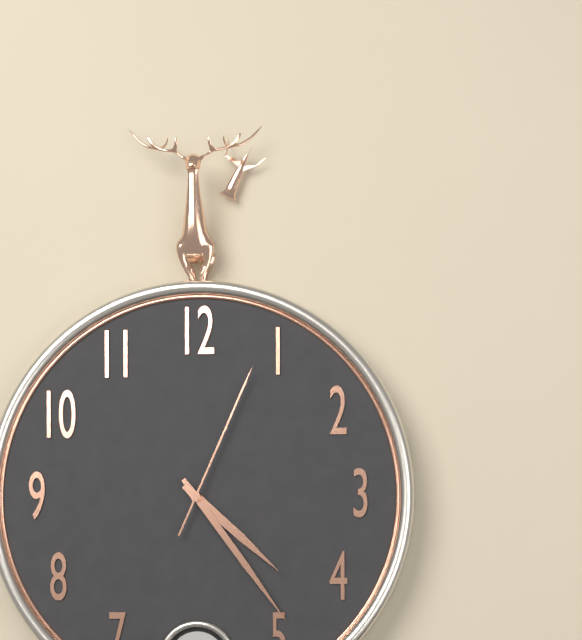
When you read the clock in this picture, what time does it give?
4:24:04
